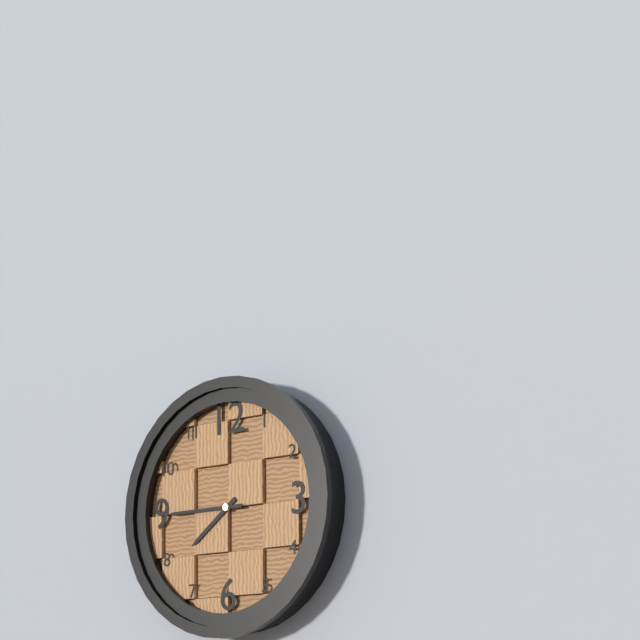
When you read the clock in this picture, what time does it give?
7:45
